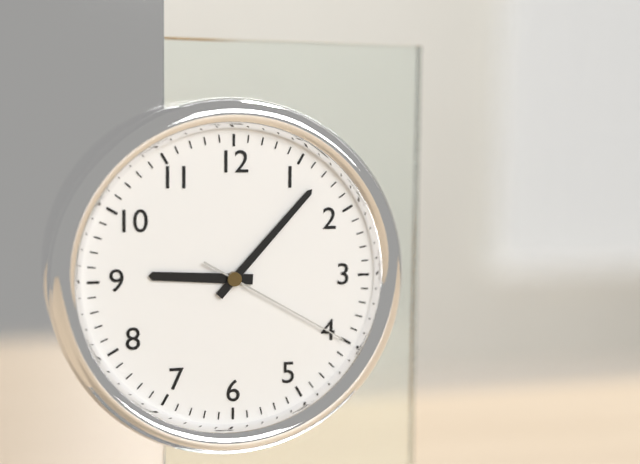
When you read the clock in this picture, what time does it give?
9:07:20
